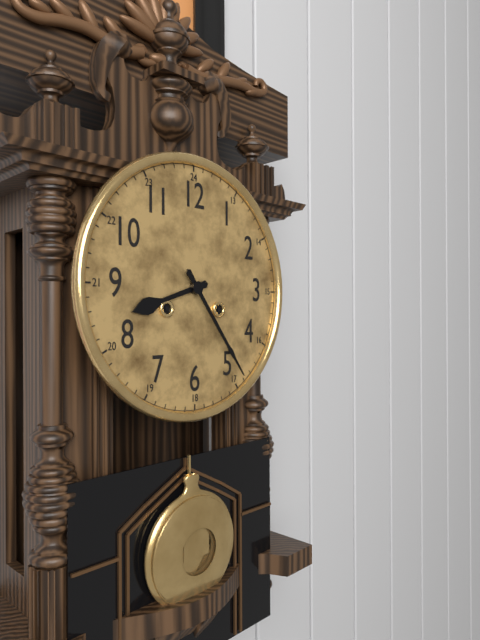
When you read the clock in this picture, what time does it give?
8:24
